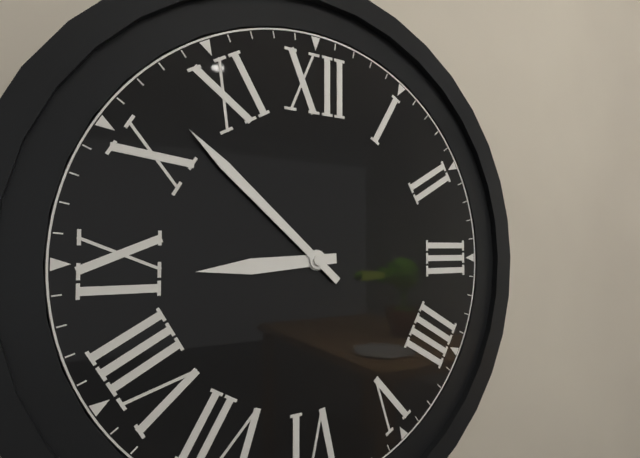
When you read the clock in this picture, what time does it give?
8:52
